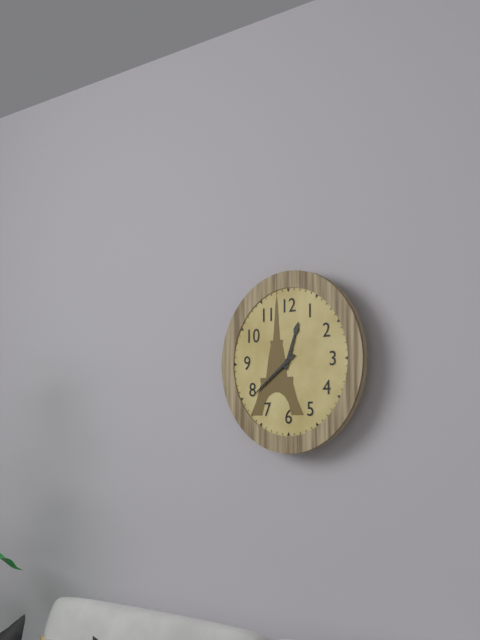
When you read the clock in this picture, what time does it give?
12:39
